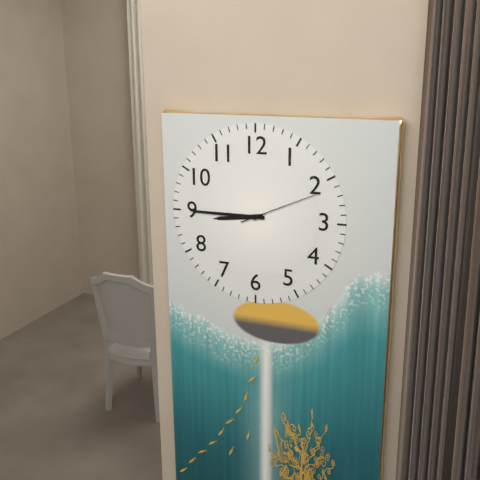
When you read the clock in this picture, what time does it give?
8:45:11
